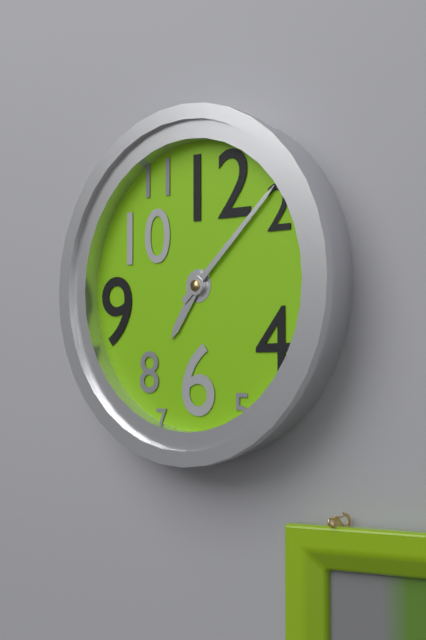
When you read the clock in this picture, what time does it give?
7:08
